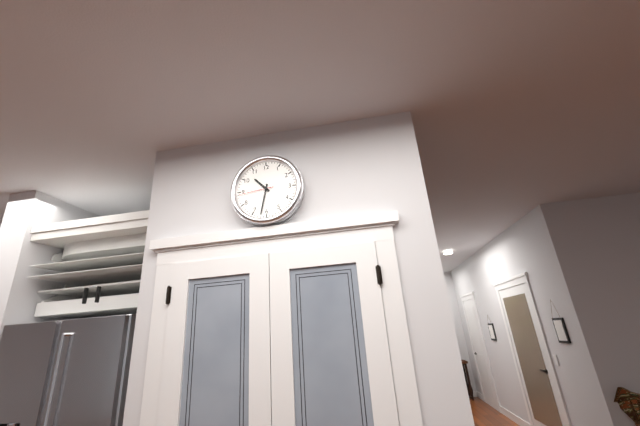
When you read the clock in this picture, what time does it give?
10:32
